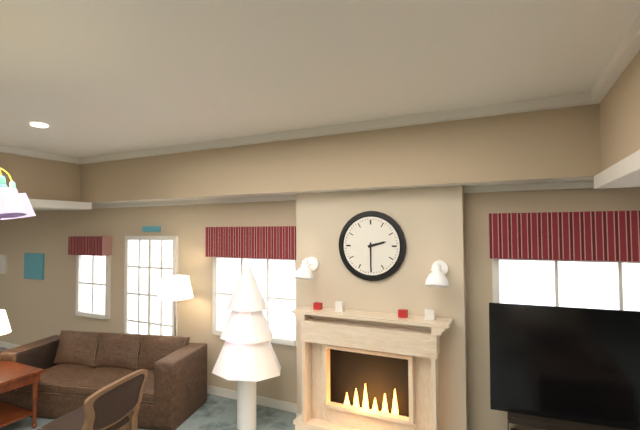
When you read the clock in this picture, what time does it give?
2:30
